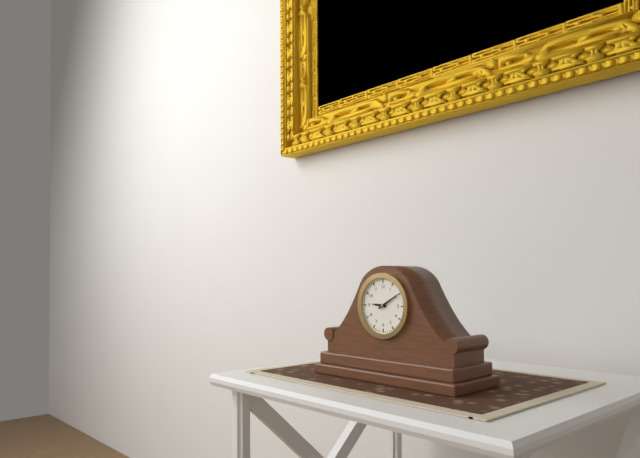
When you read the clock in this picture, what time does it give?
9:10
